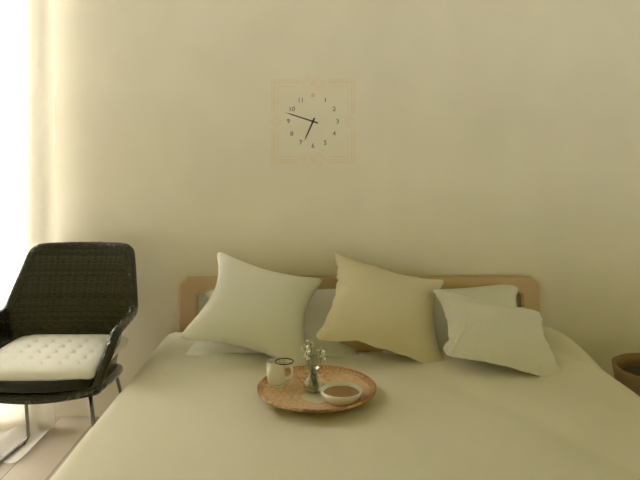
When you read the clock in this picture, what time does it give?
6:48
